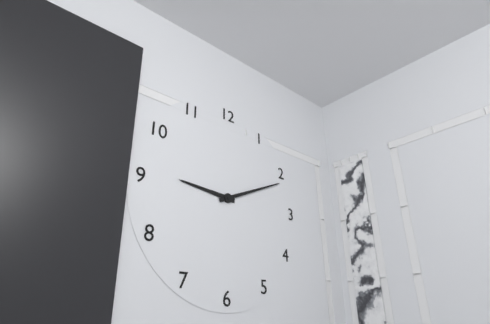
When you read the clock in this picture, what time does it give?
9:11
